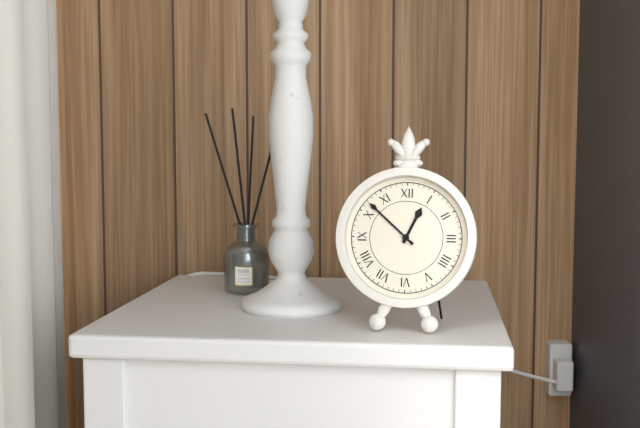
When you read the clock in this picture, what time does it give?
12:52
